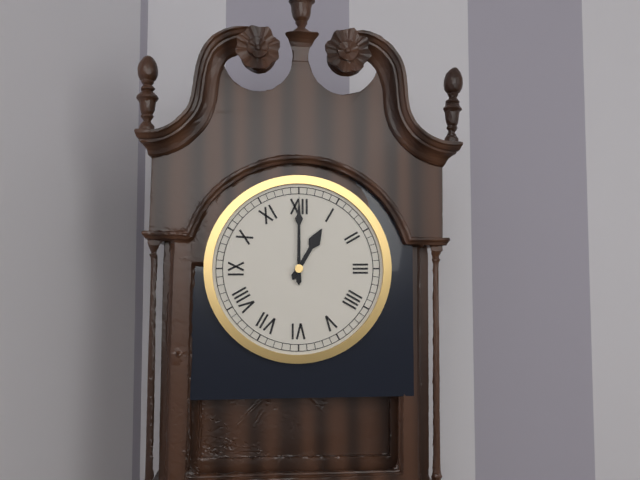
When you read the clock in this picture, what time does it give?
1:00
